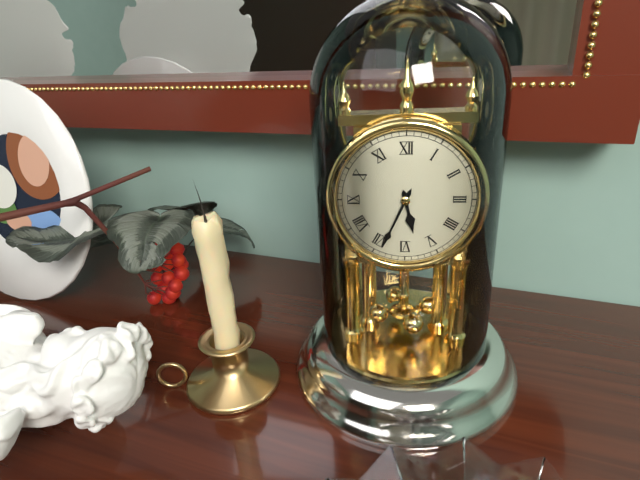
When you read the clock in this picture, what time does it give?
5:34
